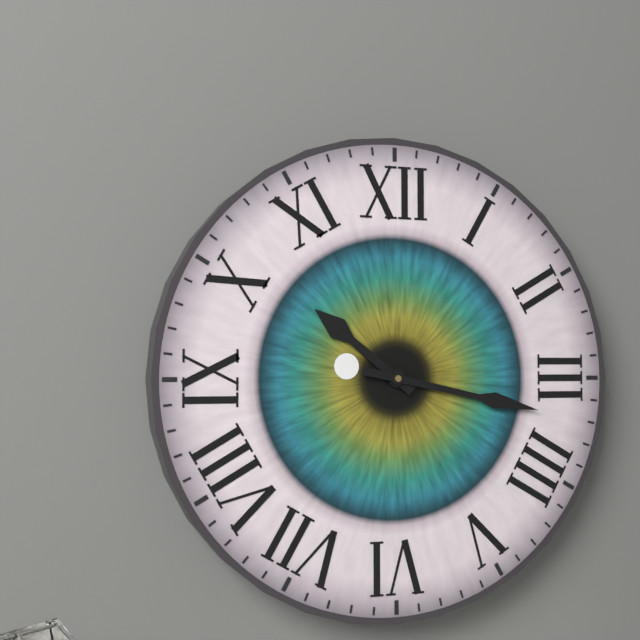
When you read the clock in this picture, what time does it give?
10:17
